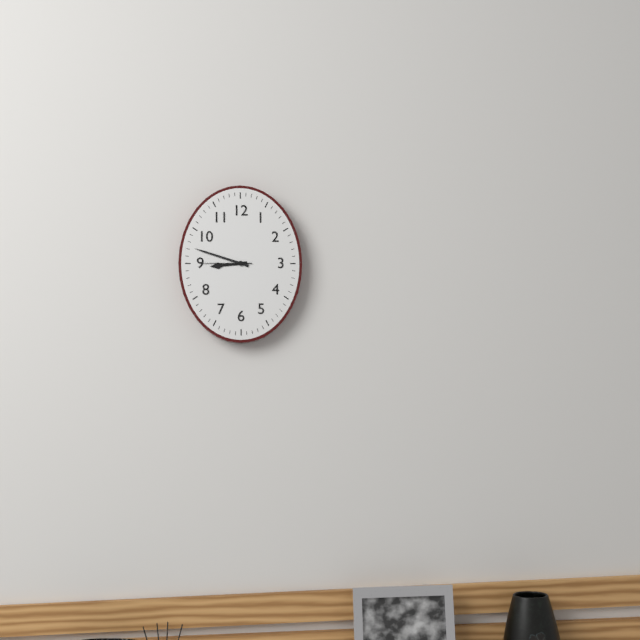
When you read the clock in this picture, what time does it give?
8:48:45
